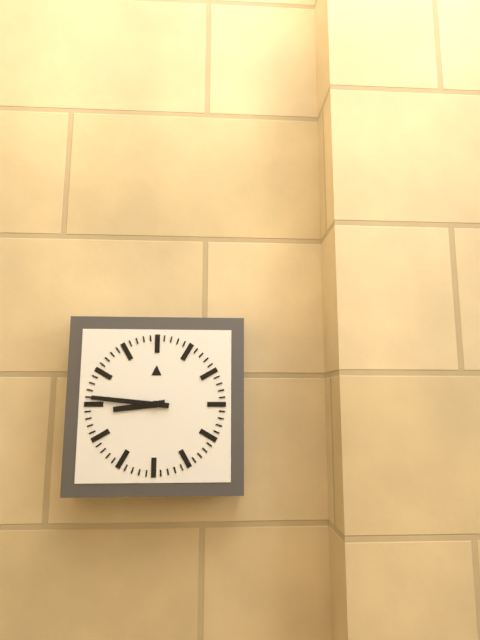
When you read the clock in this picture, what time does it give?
8:46
